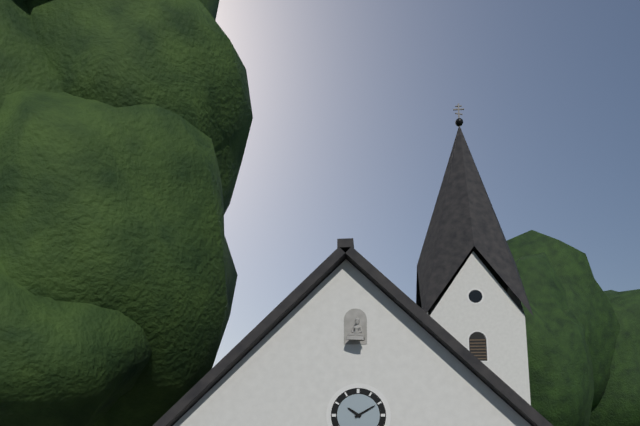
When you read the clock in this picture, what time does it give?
10:10
